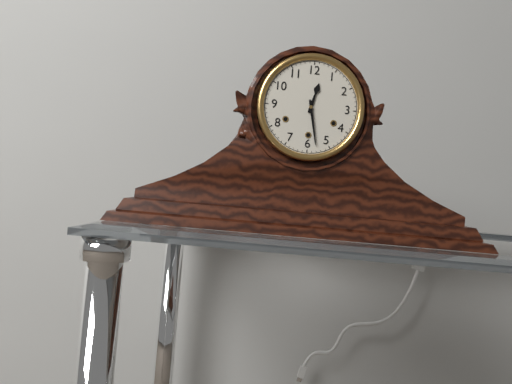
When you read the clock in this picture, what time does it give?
12:28
